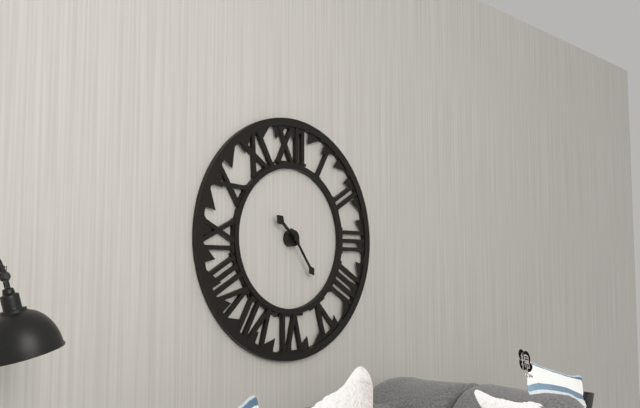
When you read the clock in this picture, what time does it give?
10:24
